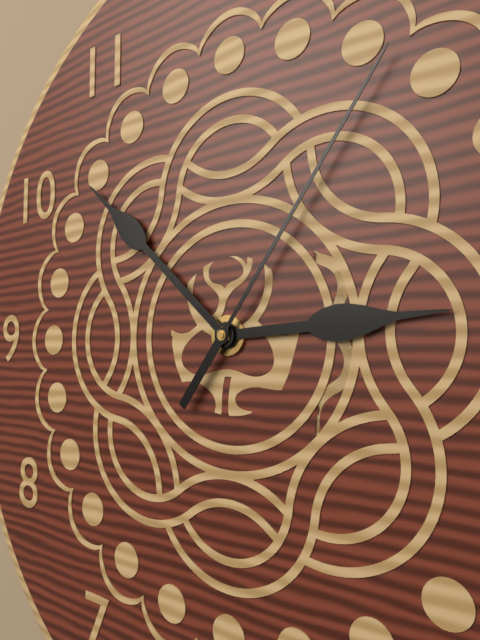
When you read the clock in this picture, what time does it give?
2:52:06
